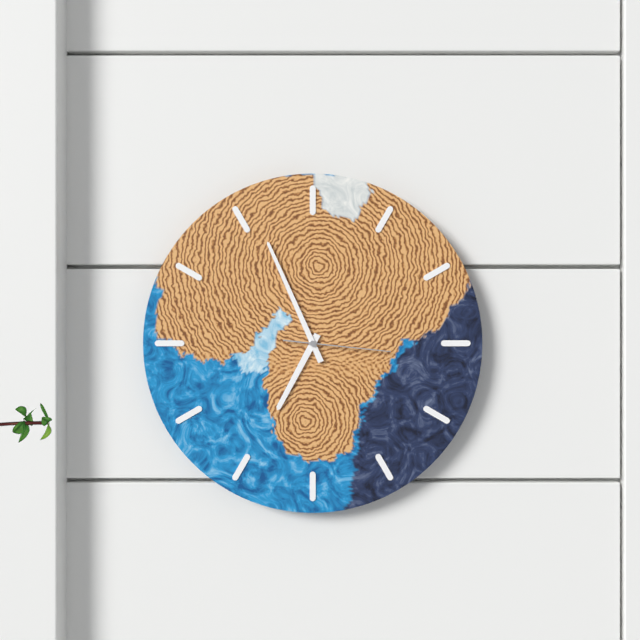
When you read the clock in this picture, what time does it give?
6:56:16
